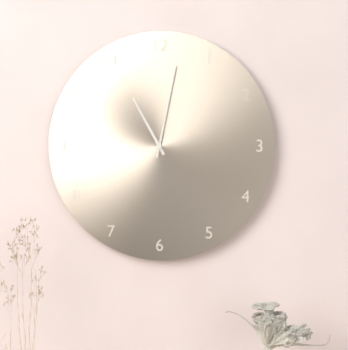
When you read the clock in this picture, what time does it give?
11:02
